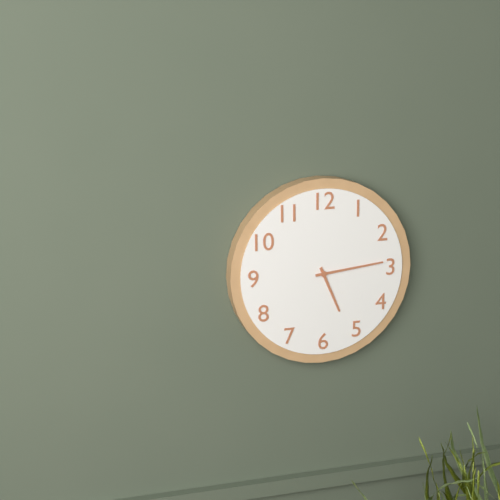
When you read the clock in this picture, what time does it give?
5:14
